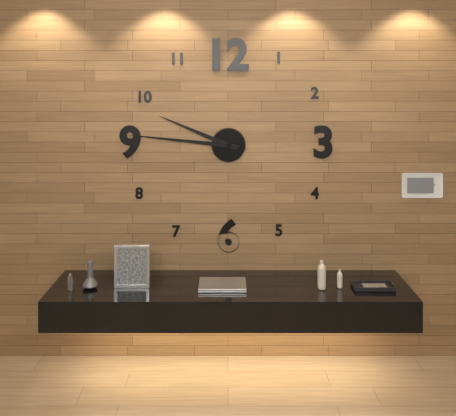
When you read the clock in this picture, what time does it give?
9:46
